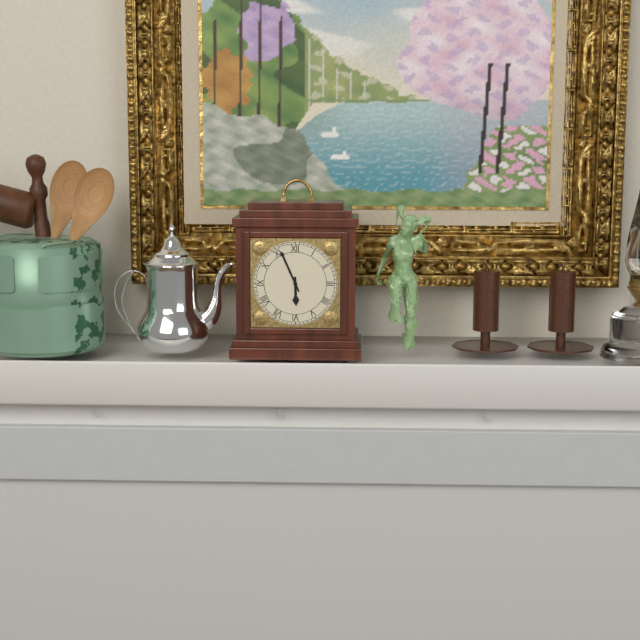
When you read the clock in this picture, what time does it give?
5:56
